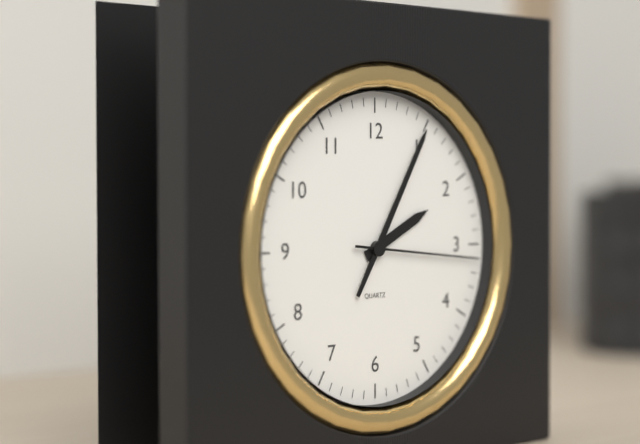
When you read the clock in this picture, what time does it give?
2:05:16
